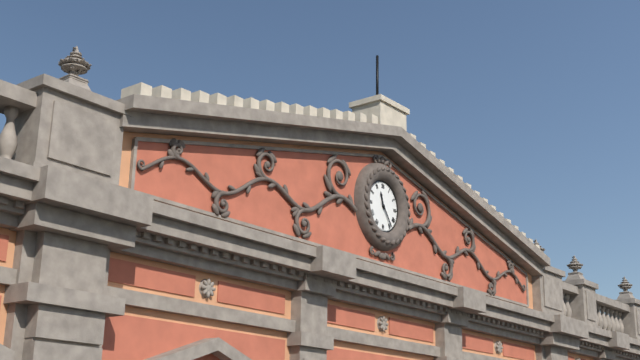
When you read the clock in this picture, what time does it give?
11:24
